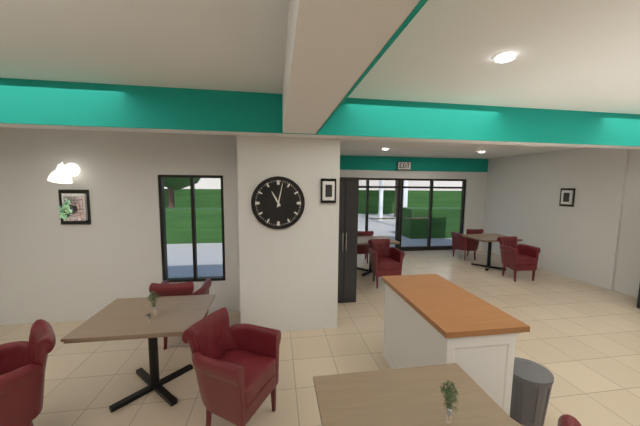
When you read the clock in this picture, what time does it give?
11:02
